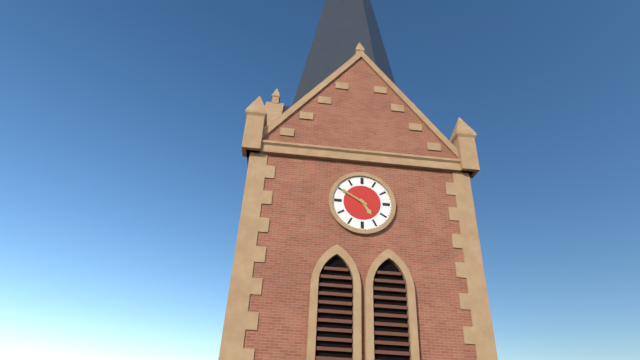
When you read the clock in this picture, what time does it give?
4:50
